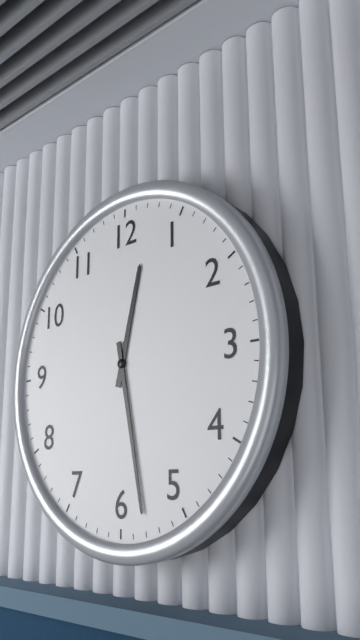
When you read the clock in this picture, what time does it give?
12:28
